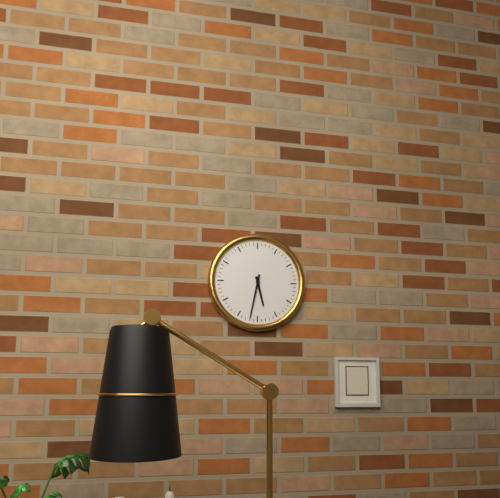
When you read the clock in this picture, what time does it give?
5:32
